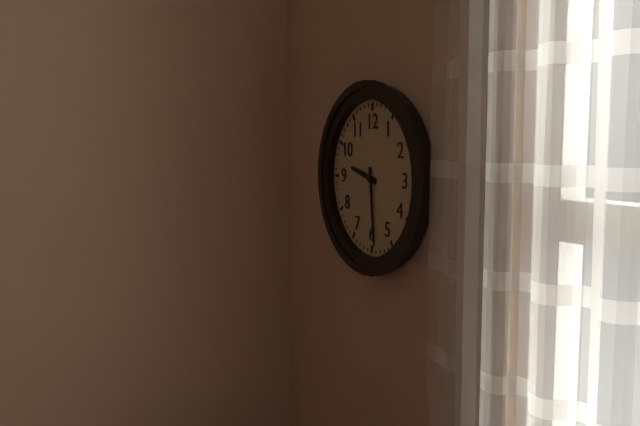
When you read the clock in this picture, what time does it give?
9:29
